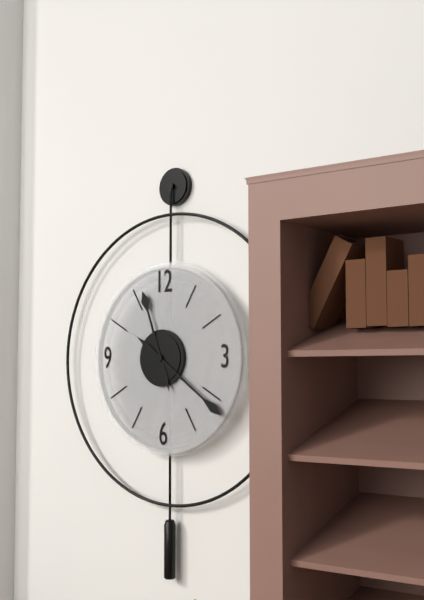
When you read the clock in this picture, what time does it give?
11:21
